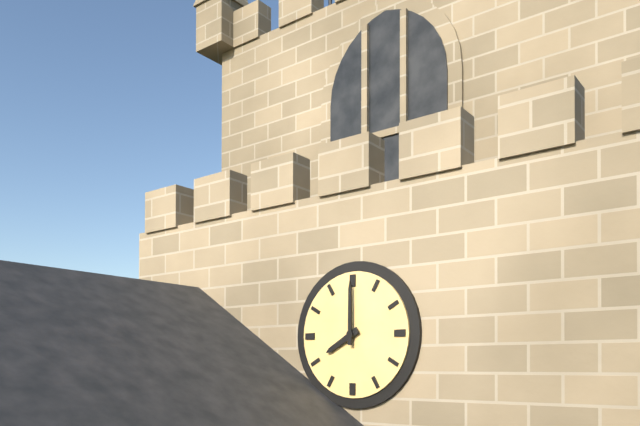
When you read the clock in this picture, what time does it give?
8:00
